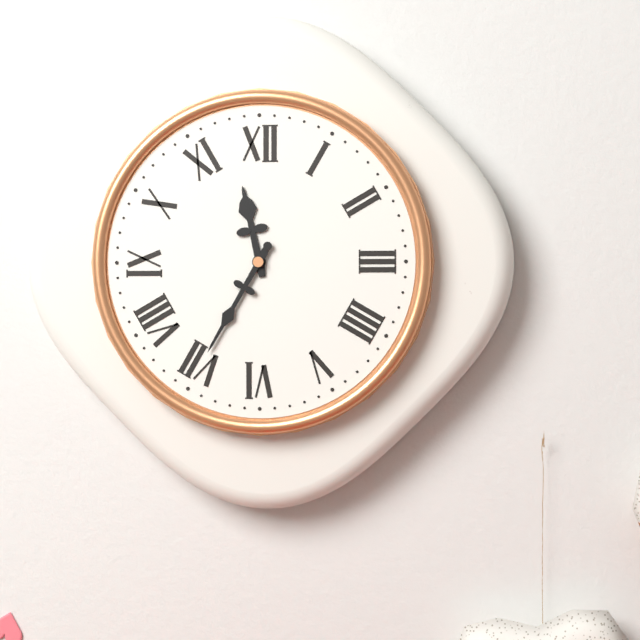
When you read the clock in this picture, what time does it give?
11:35
